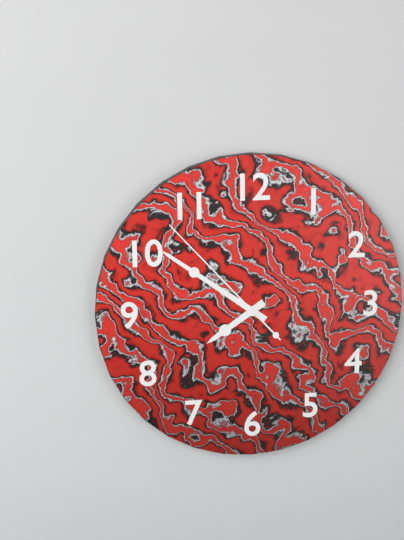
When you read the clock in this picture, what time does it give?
7:51:53
